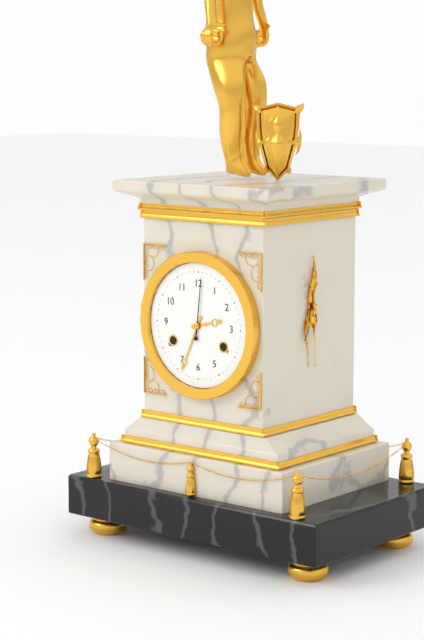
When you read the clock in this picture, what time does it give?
2:34:01
